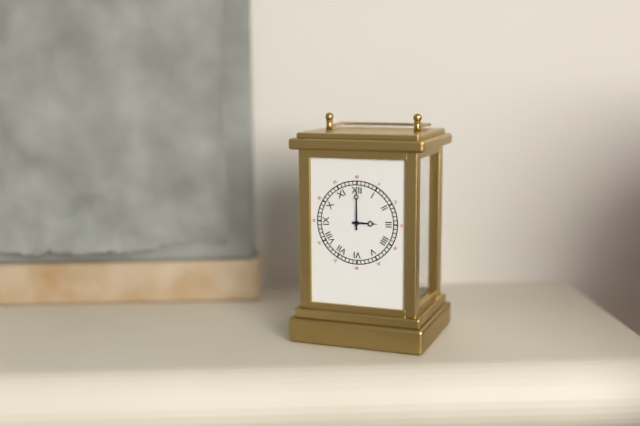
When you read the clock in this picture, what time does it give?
3:00
